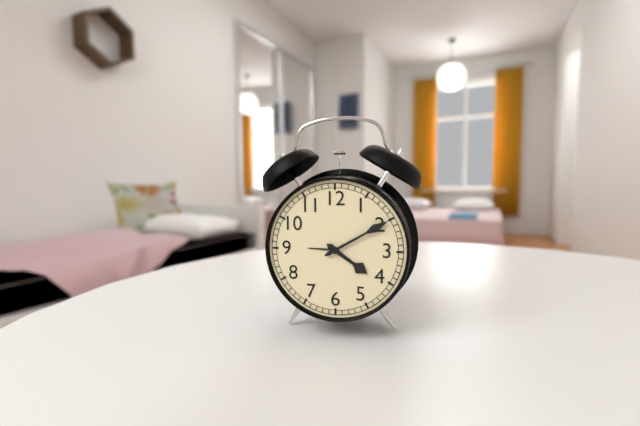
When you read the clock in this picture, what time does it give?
4:10
